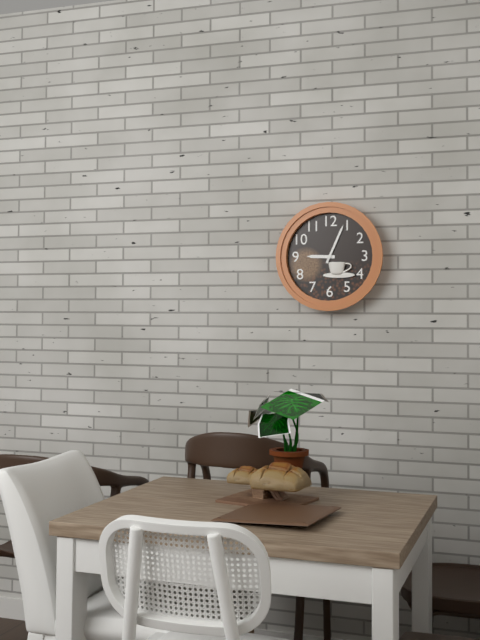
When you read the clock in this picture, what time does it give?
9:04
